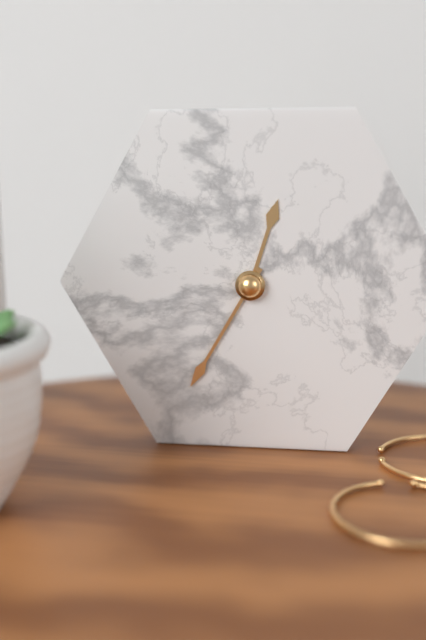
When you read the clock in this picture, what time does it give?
12:35
